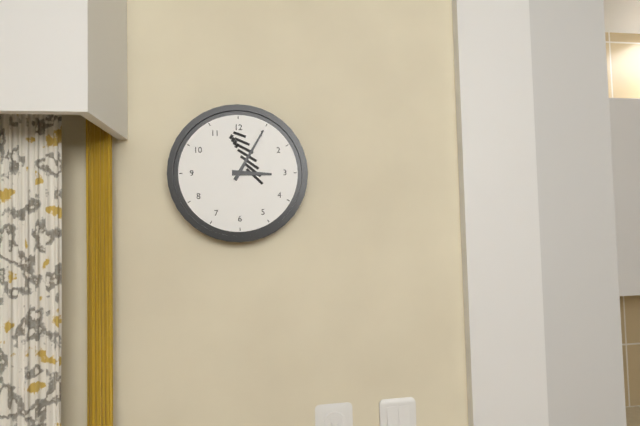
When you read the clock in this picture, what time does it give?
3:05
